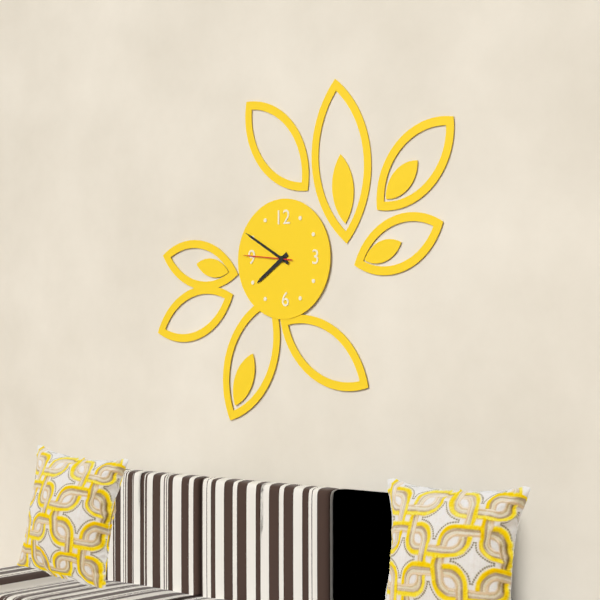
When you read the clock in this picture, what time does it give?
7:50:46
